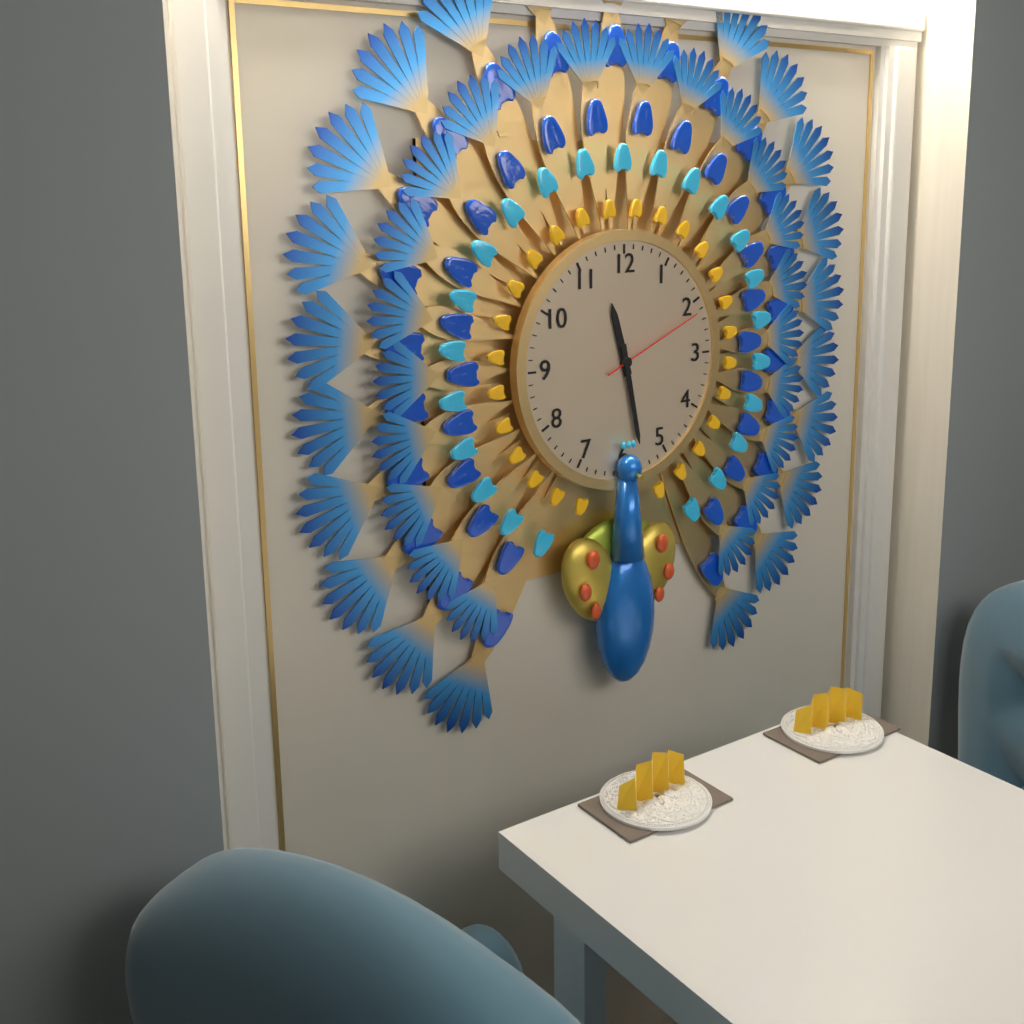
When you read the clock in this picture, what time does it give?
11:28:11
